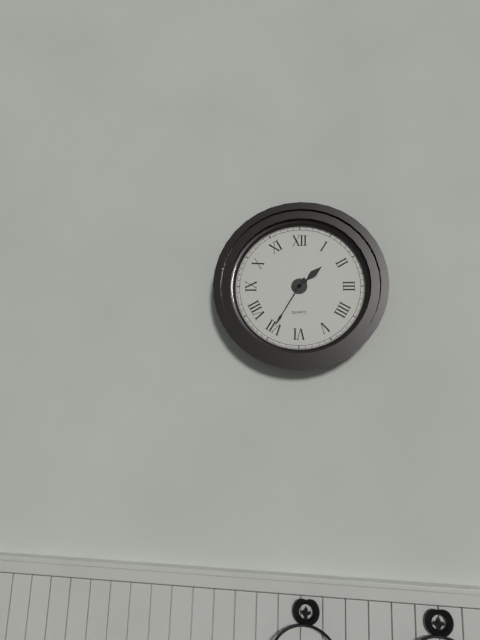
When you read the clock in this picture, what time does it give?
1:35
